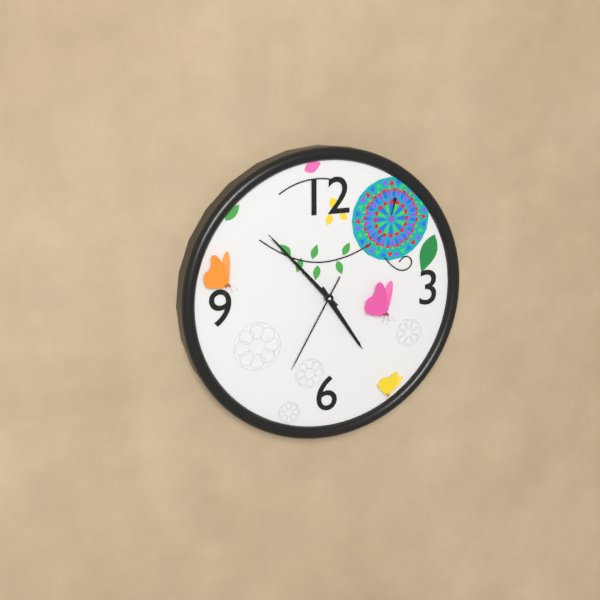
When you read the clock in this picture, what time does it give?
4:53:35
